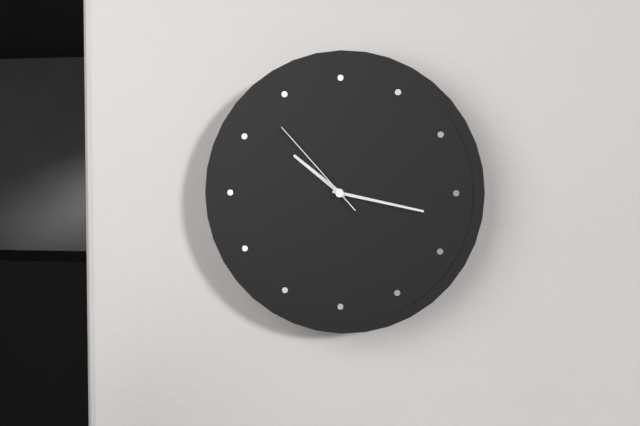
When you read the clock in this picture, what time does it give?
10:17:53
